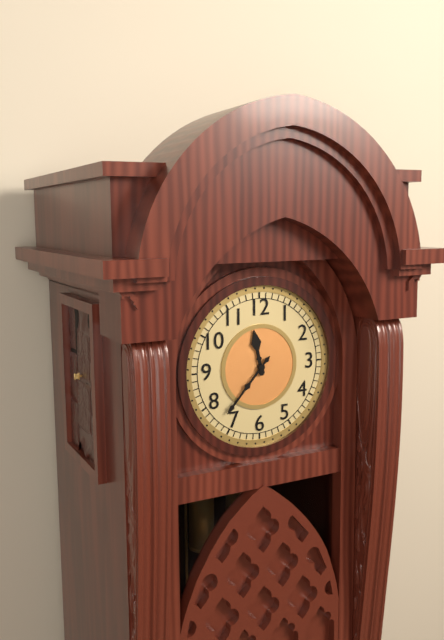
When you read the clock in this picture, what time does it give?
11:37
